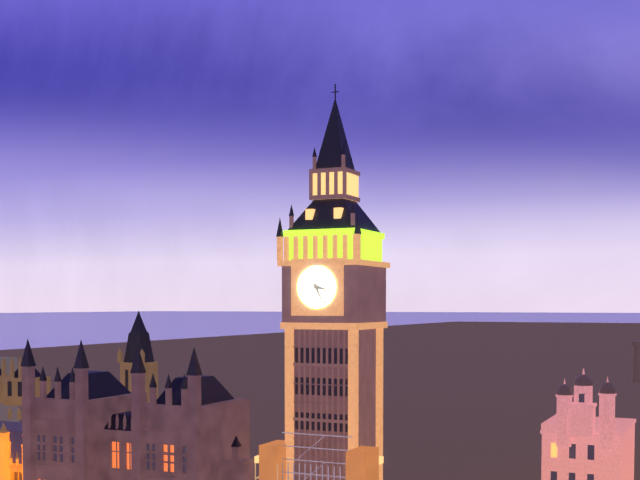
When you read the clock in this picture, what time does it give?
3:26
